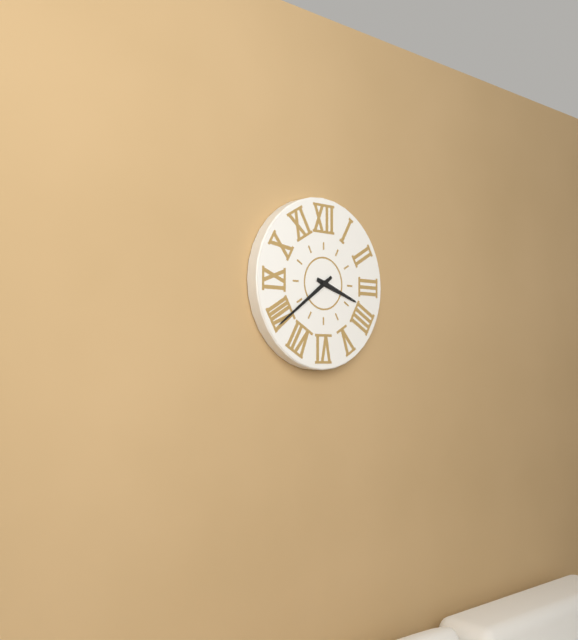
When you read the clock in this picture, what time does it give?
3:39
